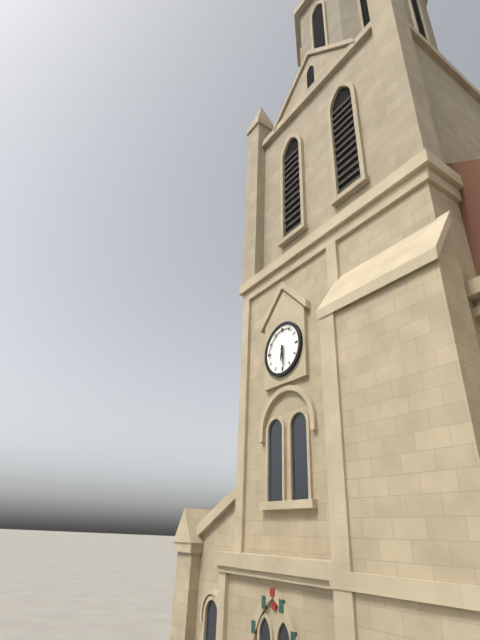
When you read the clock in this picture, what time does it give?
6:29
